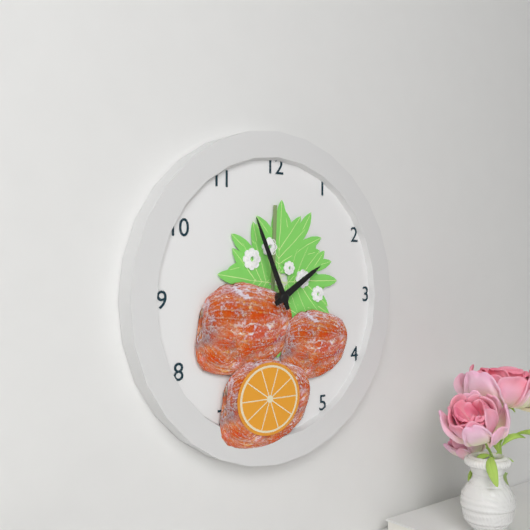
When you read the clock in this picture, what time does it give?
1:56
